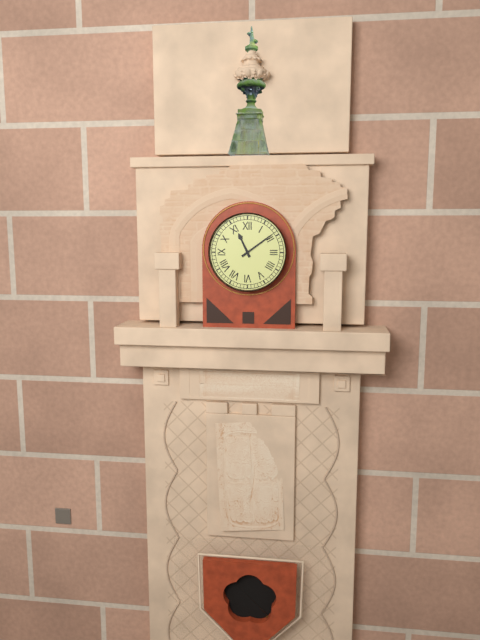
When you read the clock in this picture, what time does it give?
11:09
